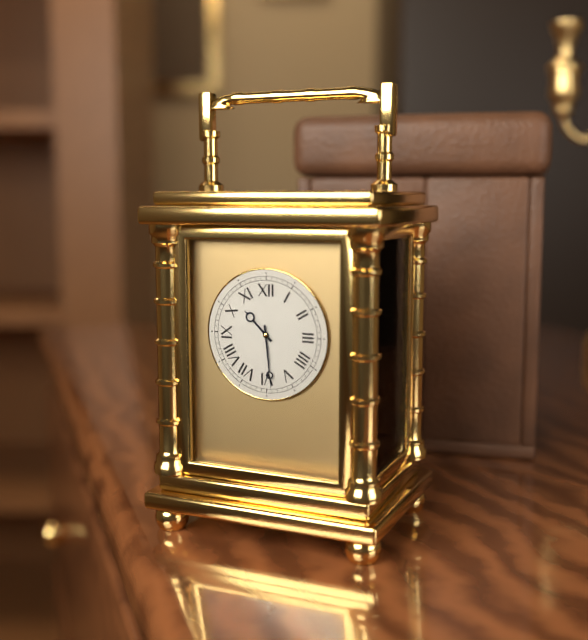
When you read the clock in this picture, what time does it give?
10:29
